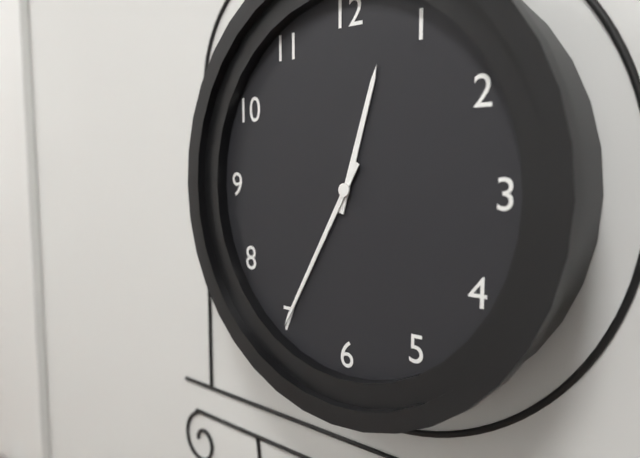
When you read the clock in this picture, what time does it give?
12:35
